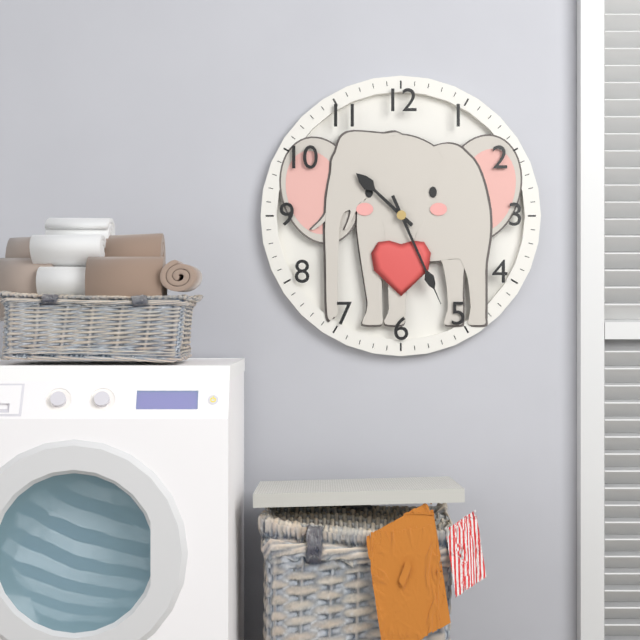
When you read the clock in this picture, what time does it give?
10:26
